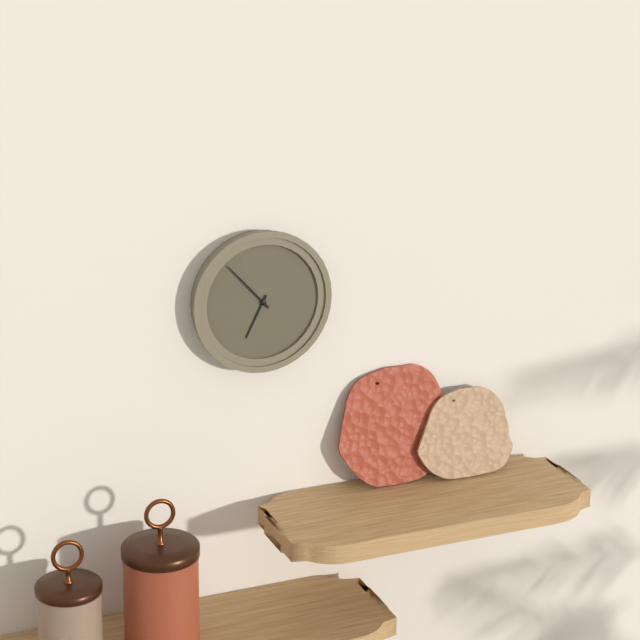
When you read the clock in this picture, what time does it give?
6:53
